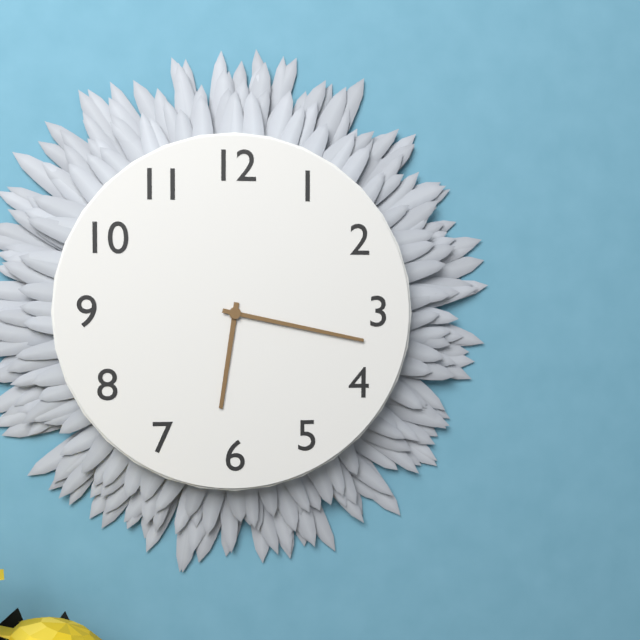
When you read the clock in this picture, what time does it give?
6:17
